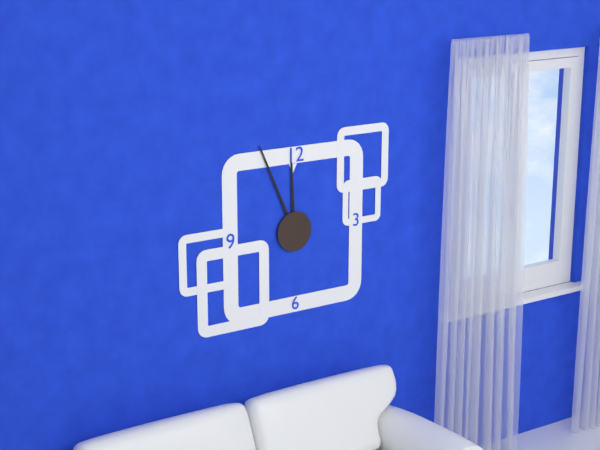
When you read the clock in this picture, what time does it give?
11:56
